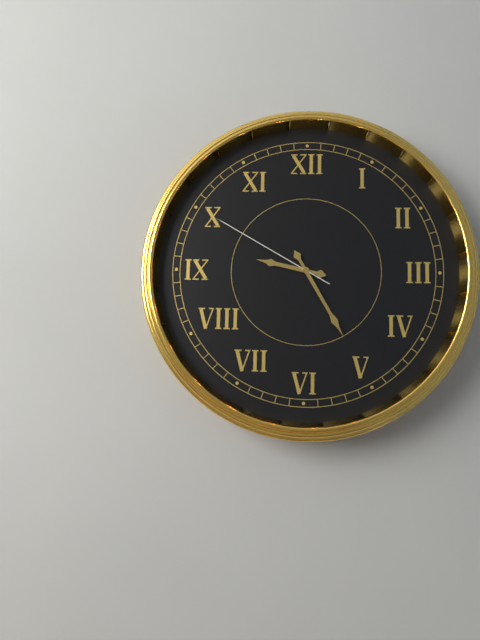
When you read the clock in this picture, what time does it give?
9:25:50
